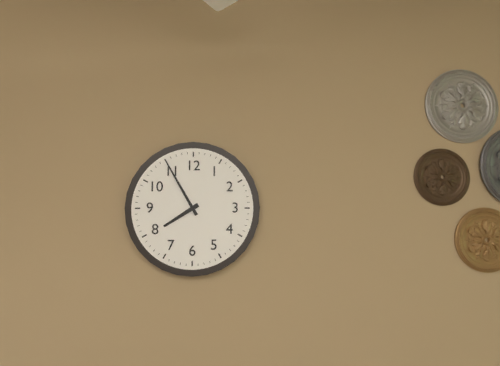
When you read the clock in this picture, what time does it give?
7:55
